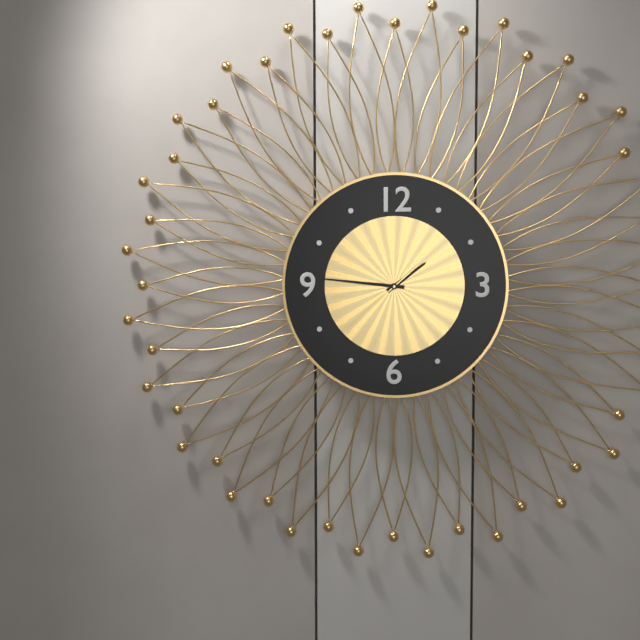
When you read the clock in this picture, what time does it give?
1:46:38
